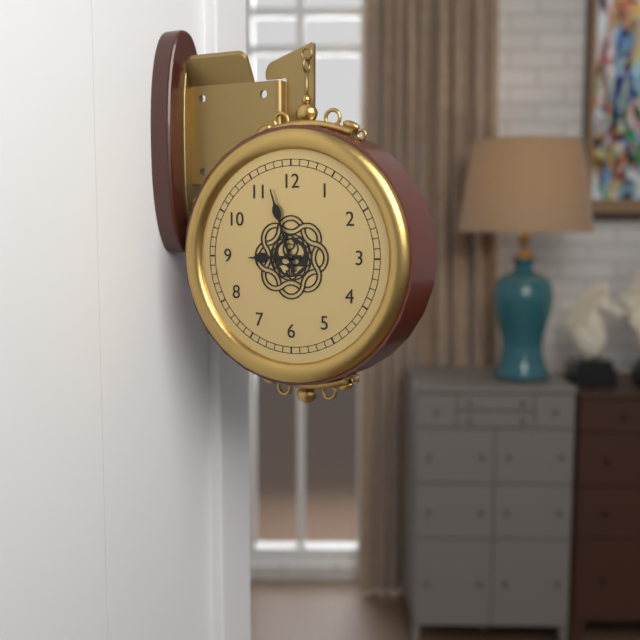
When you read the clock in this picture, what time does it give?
8:57
